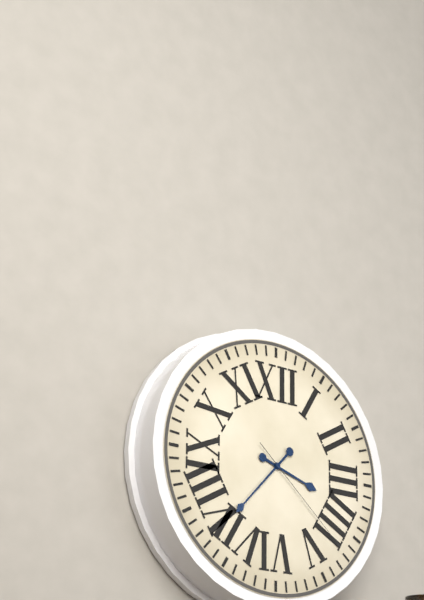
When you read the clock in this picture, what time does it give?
3:37:22
